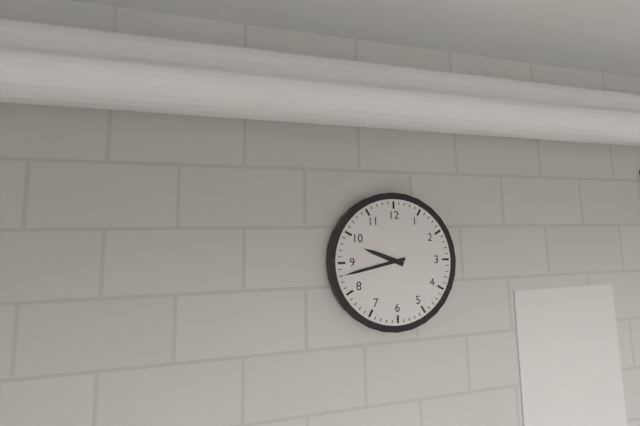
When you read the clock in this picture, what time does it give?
9:43
